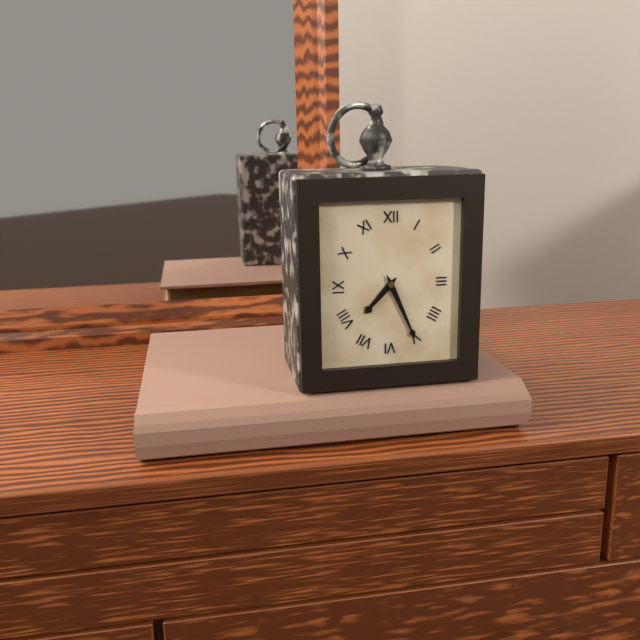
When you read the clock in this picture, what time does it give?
7:26
